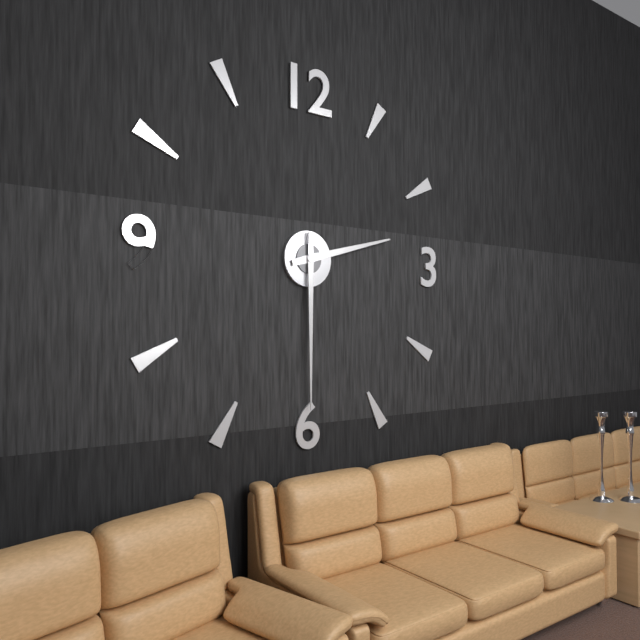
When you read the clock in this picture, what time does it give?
2:30
